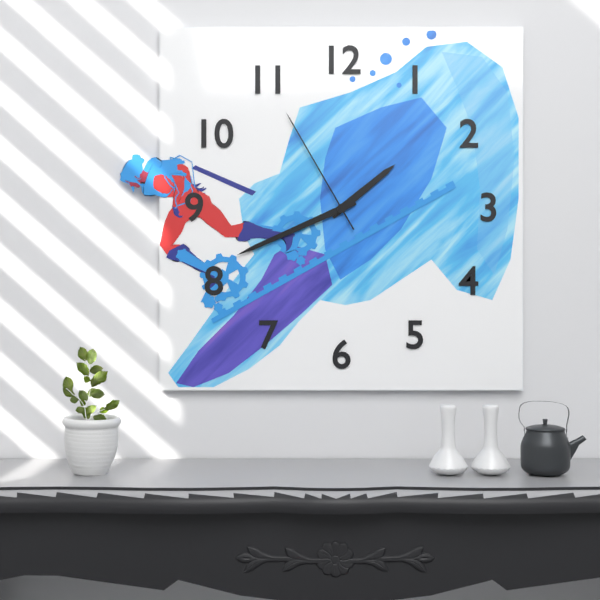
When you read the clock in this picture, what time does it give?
1:41:55
